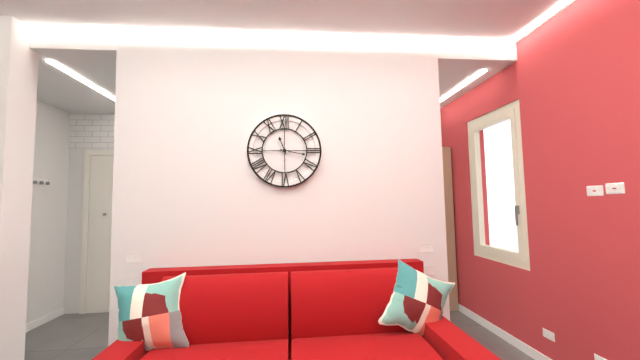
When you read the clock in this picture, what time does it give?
11:17
